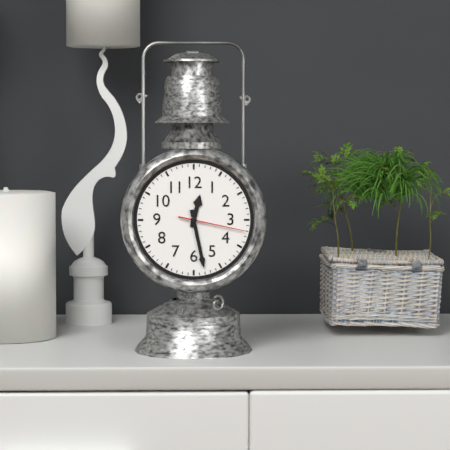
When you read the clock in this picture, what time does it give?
12:28:17
